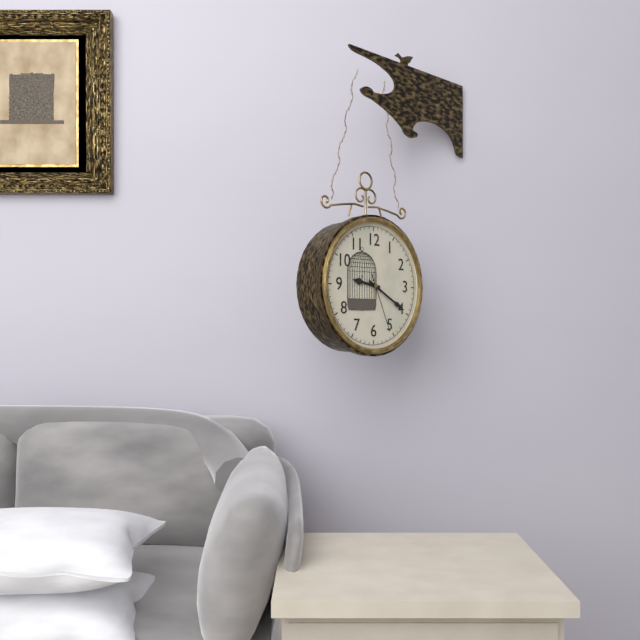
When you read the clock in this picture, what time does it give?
9:20:26
